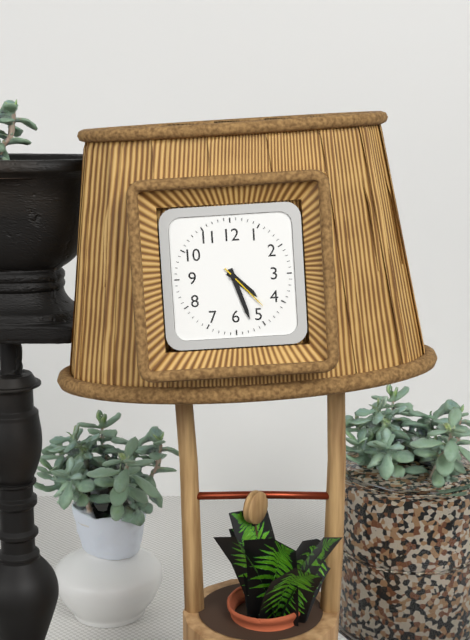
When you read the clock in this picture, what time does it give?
4:27:23
